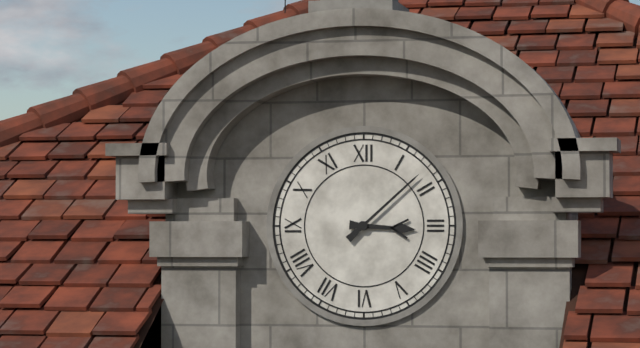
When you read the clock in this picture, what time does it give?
3:08
